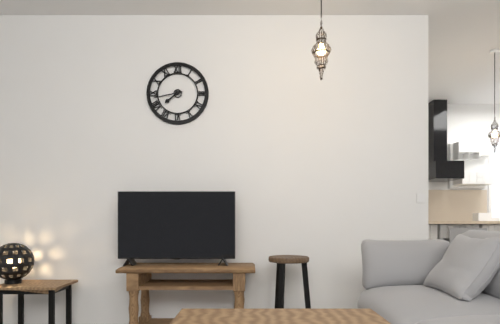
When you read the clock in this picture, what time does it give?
7:43
